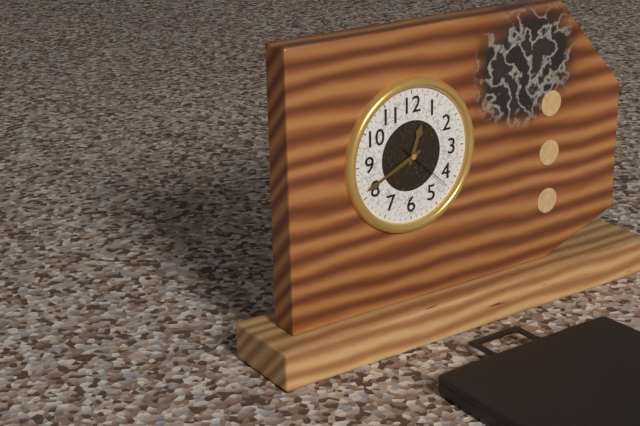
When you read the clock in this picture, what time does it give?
12:41:22
